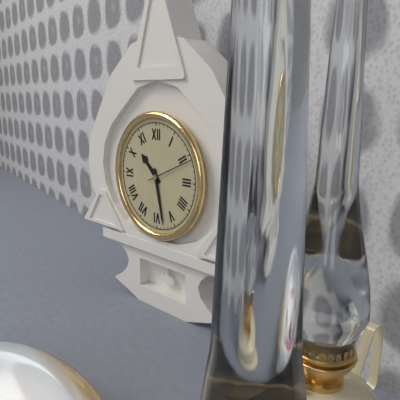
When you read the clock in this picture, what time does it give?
10:28
